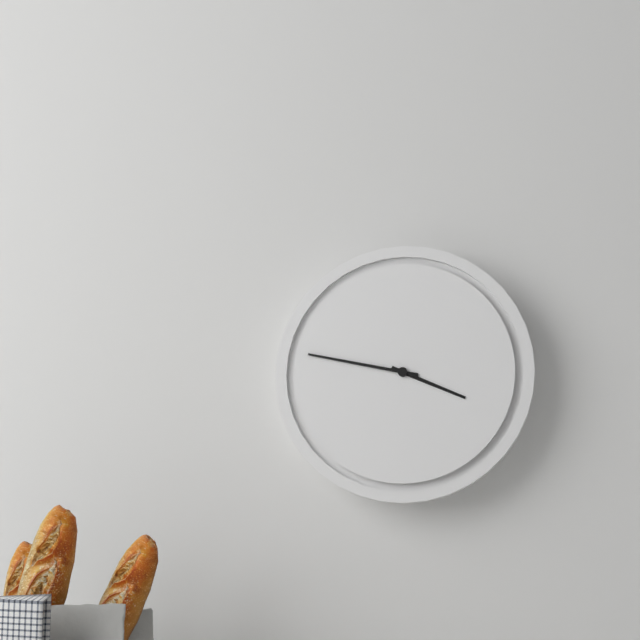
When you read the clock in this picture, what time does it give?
3:47
